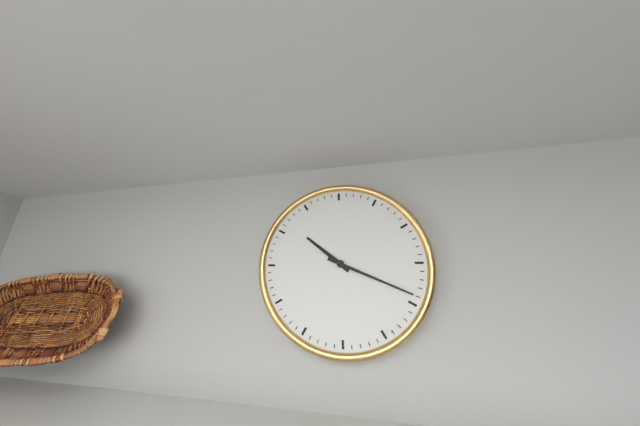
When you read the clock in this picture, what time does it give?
10:19
